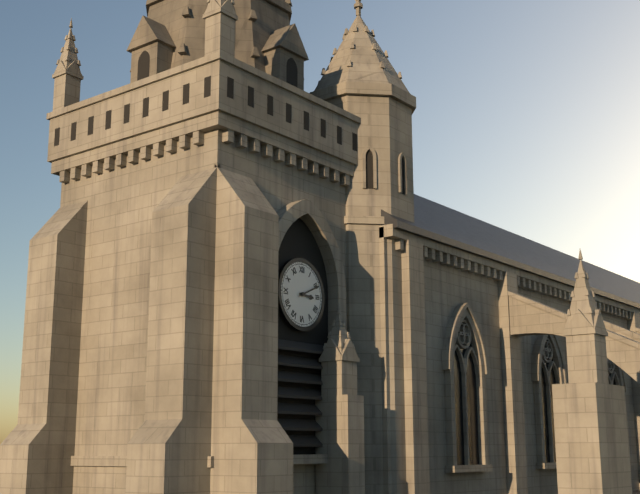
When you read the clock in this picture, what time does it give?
3:11
